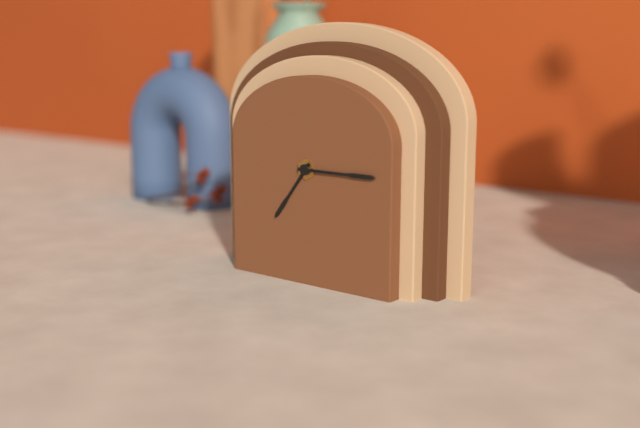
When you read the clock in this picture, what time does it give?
7:15
